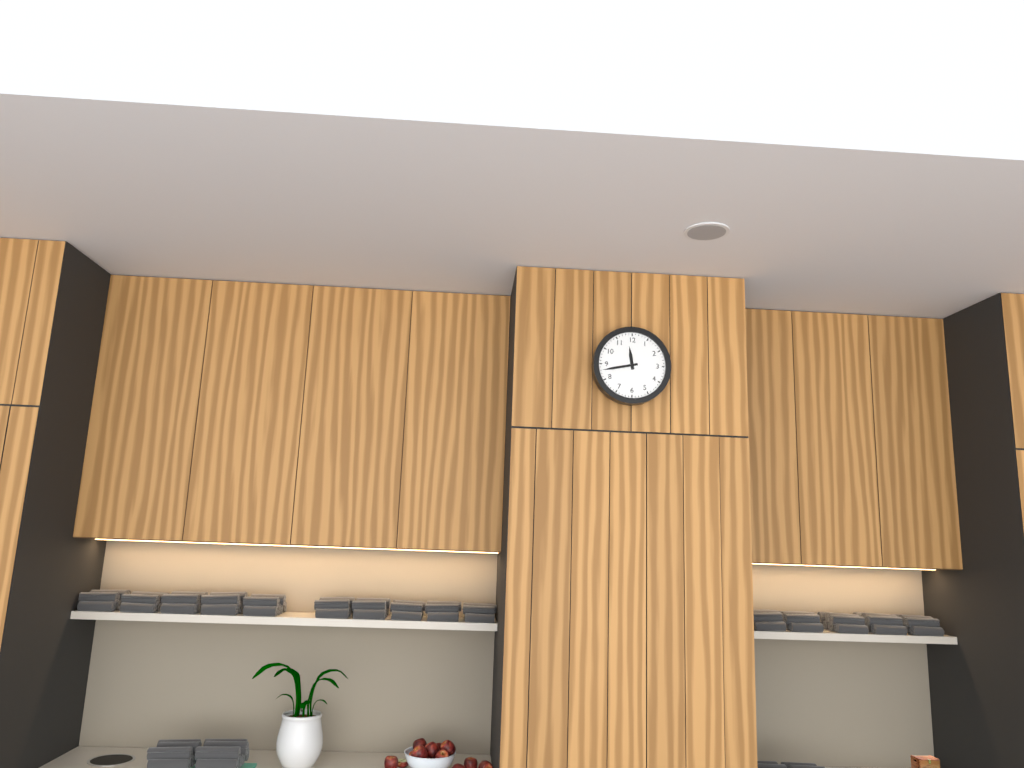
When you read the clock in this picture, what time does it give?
11:43
